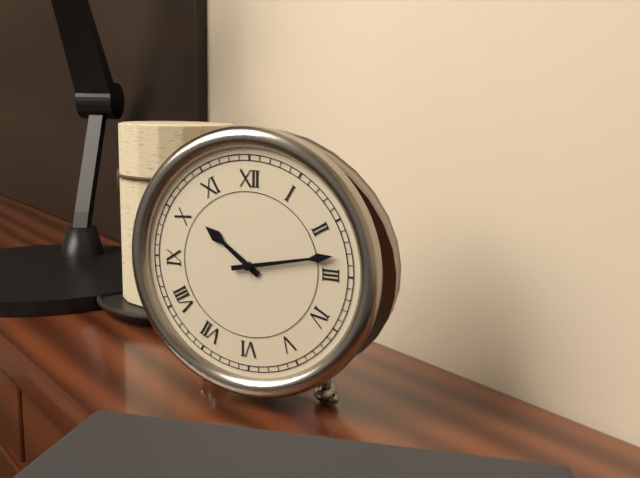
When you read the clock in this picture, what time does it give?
10:13
